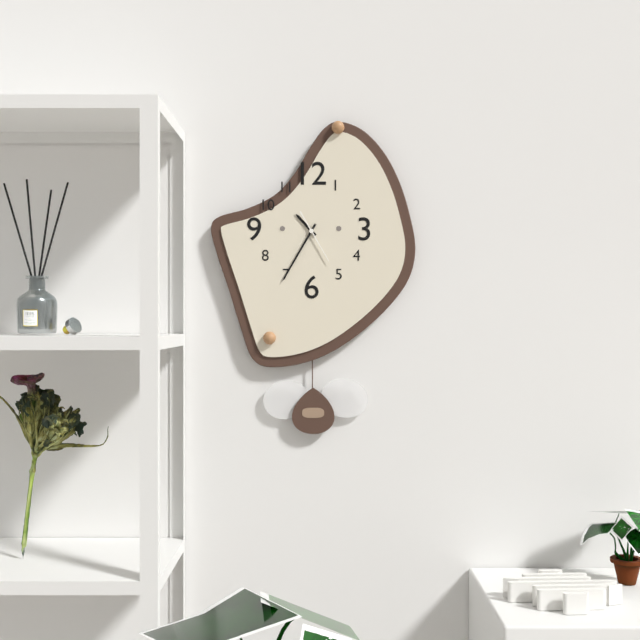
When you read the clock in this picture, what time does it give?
10:35
